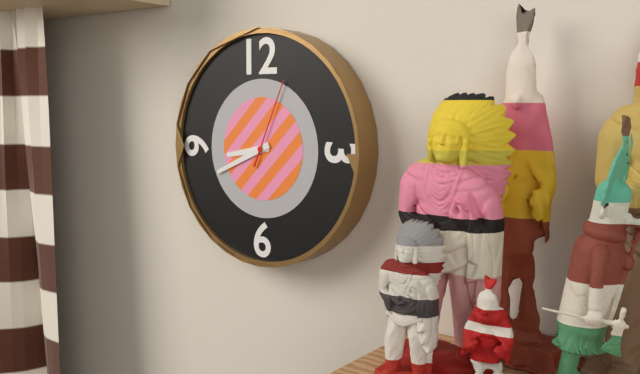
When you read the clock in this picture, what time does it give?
8:41:04
